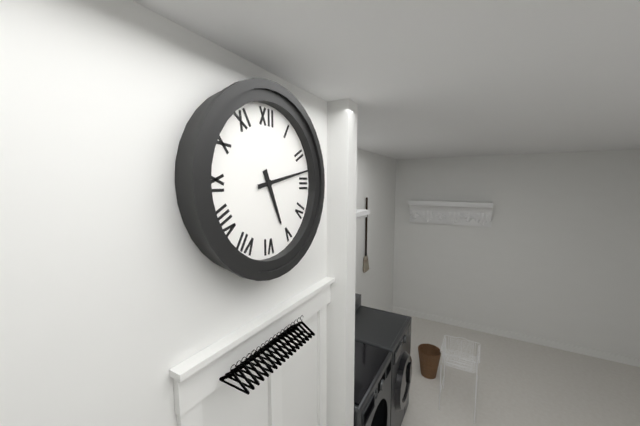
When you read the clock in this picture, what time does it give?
5:13
